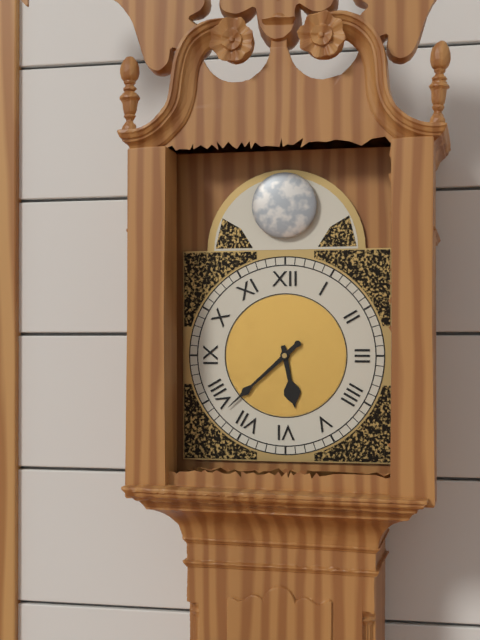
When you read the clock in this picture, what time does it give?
5:38
